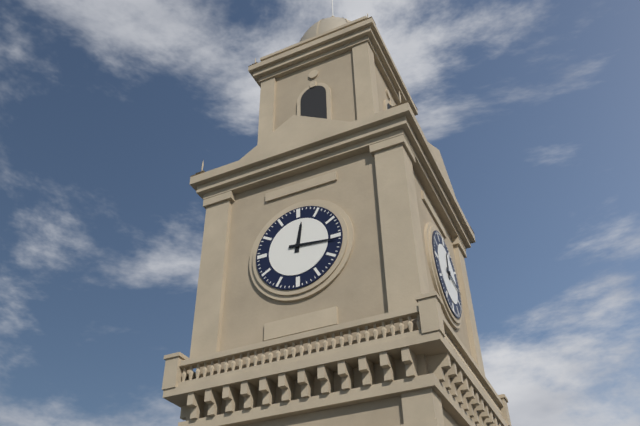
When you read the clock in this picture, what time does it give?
12:16
